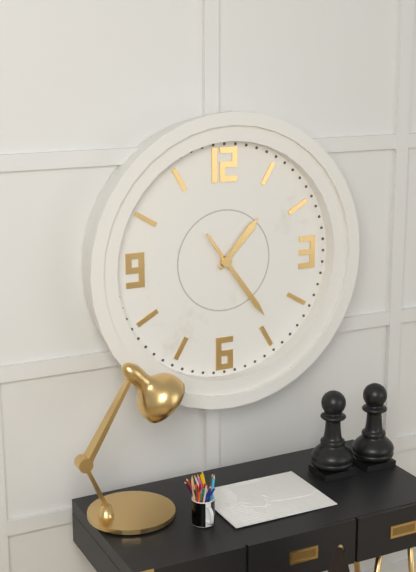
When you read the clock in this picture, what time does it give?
1:24
